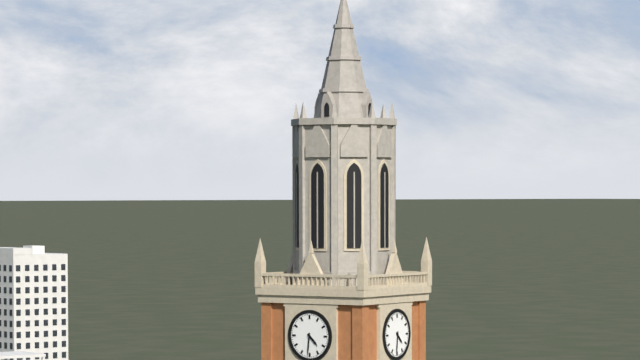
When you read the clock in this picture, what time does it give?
4:31
